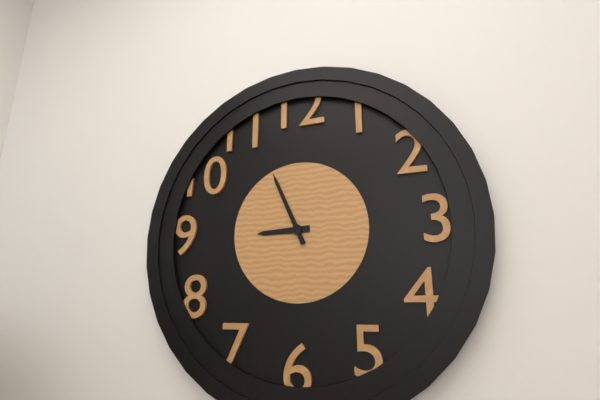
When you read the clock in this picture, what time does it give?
8:56
